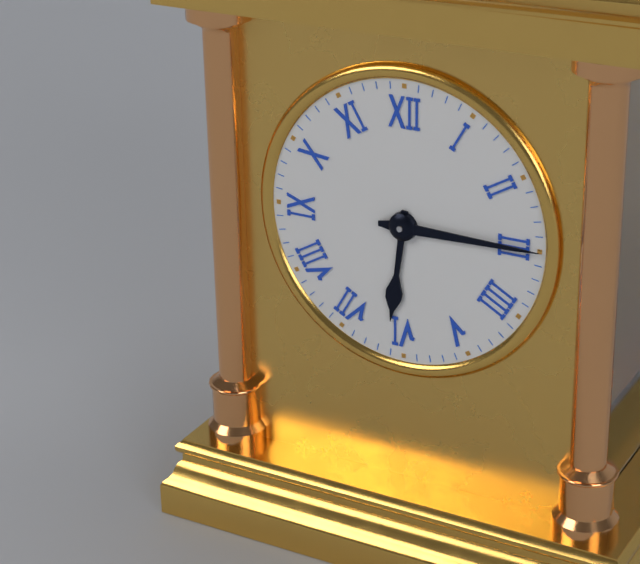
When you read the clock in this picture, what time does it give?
6:15
